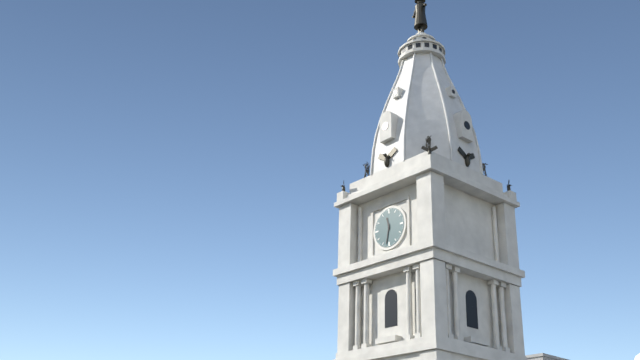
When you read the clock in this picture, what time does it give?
11:32
